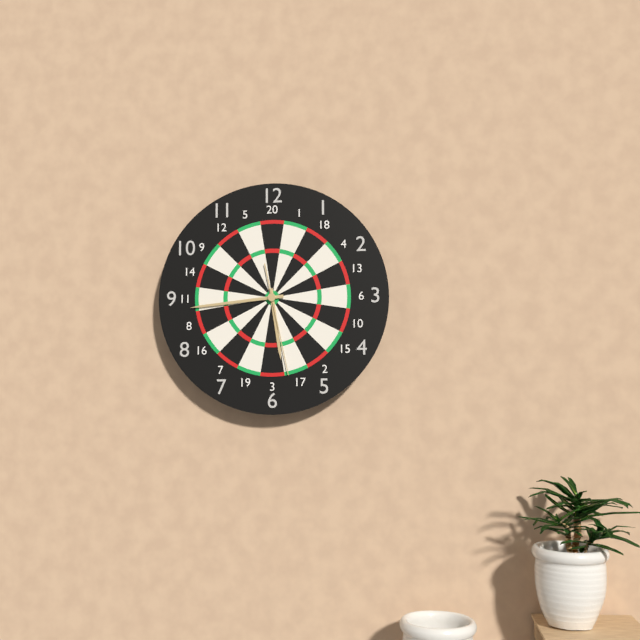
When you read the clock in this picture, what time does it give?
5:44:28
